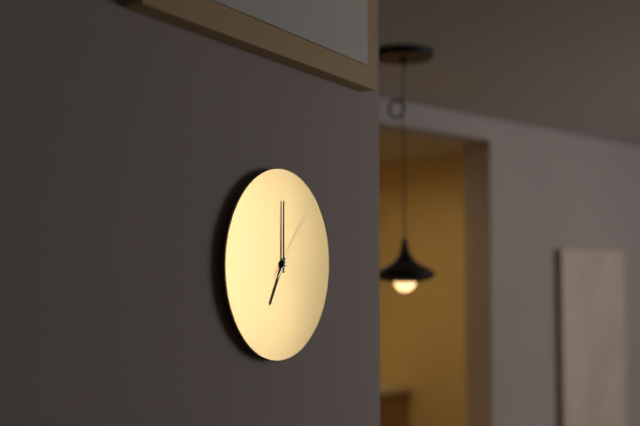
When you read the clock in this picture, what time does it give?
7:00:07
